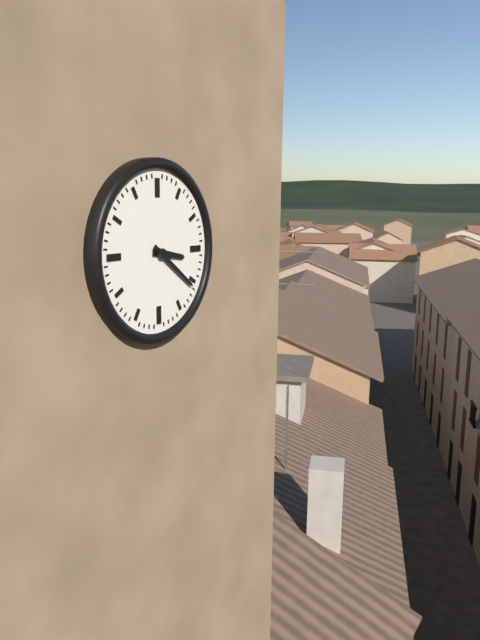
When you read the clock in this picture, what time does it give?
3:21
